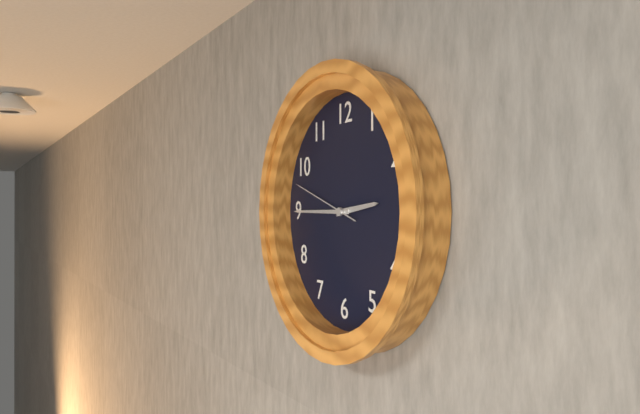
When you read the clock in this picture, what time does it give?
2:45:48
